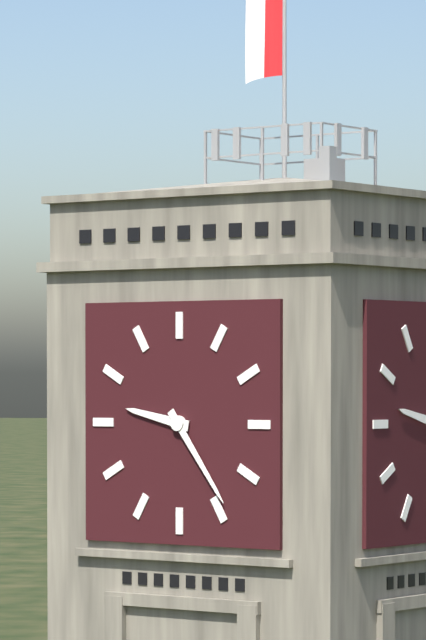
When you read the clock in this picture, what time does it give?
9:24
